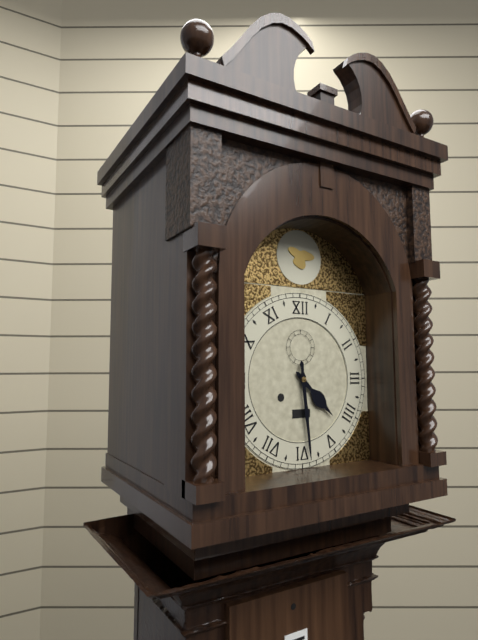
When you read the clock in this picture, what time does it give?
4:29
